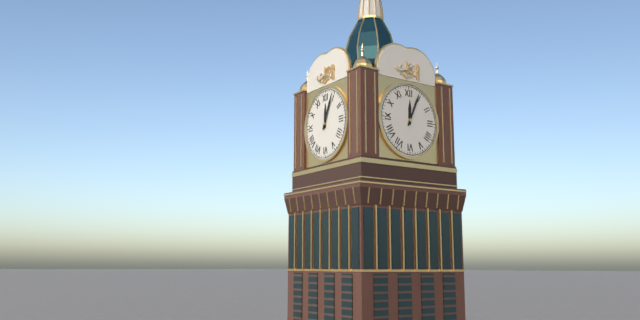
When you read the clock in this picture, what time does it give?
12:04
